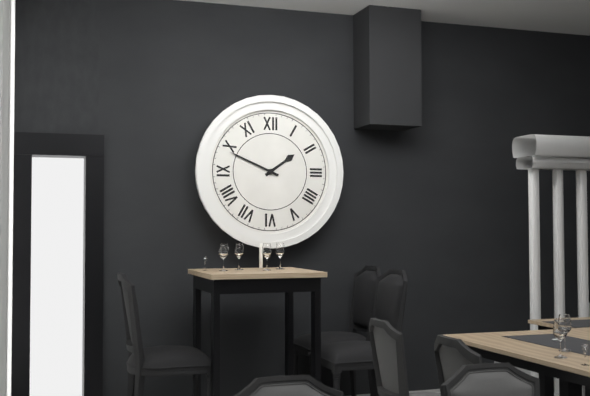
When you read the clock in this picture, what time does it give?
1:49
